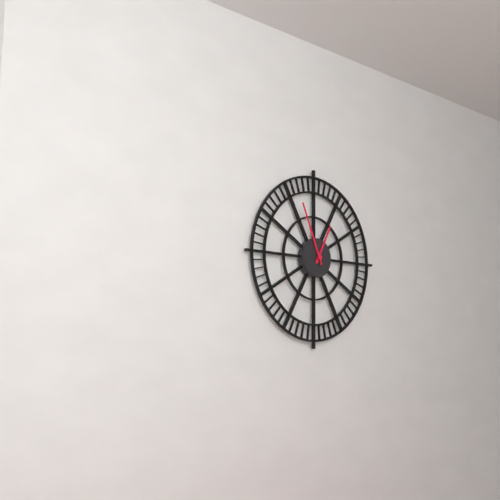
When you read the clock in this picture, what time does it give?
12:56
